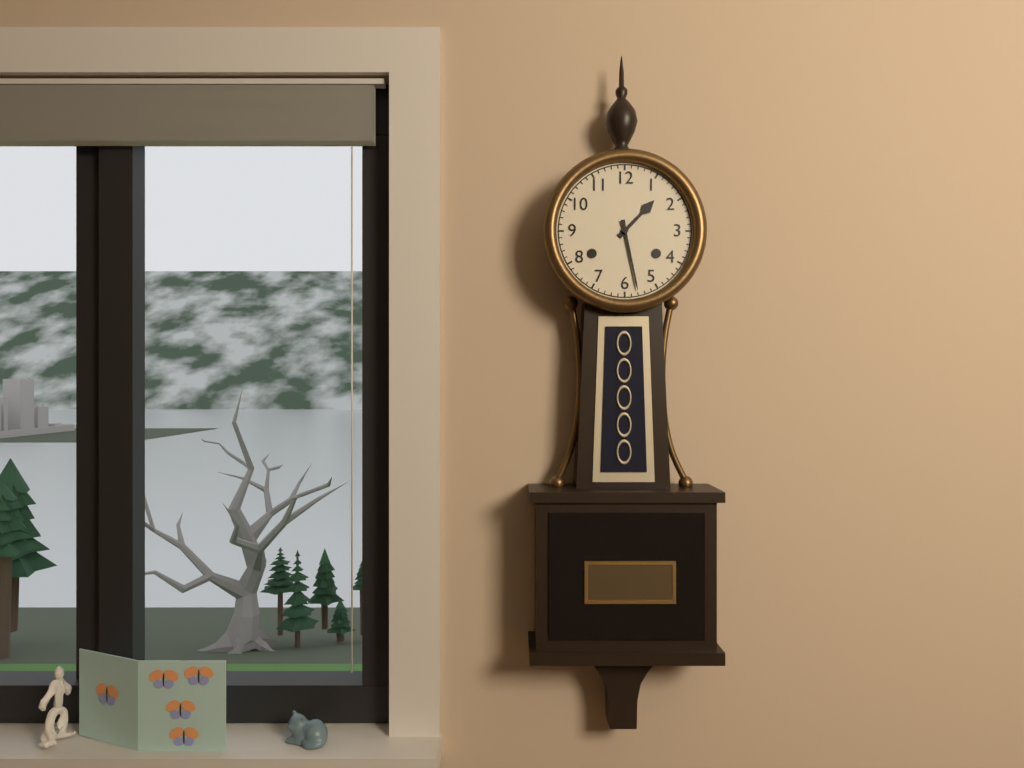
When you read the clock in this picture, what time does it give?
1:28
